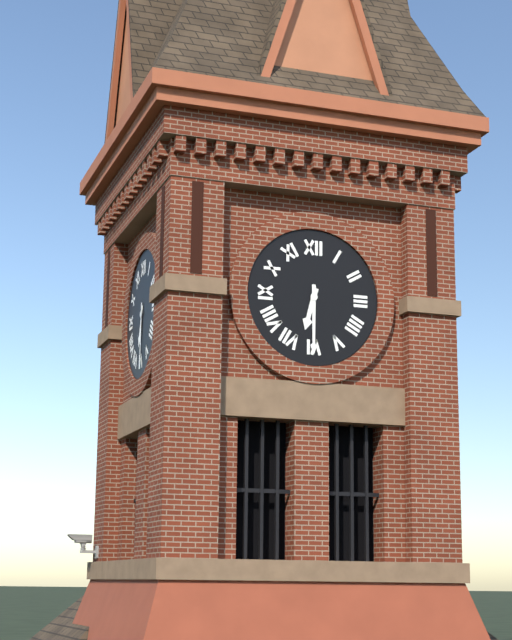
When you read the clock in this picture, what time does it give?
6:30
